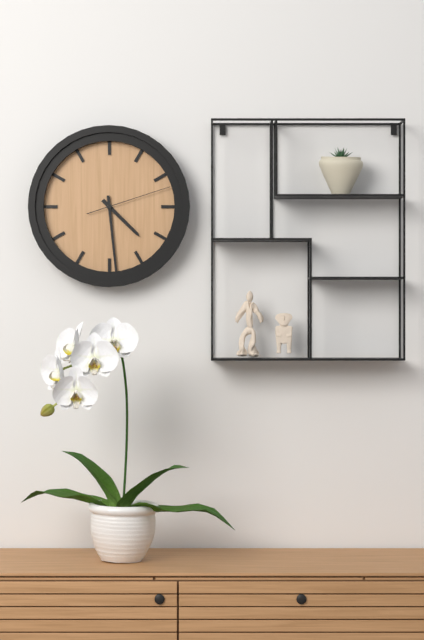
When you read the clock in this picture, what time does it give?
4:29:12
